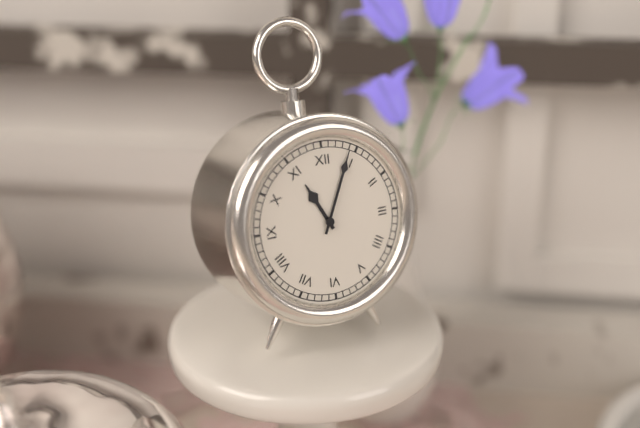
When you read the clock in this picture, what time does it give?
11:04
